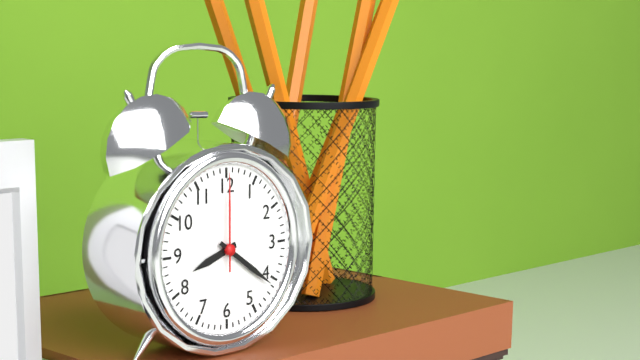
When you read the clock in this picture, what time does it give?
8:21:00
